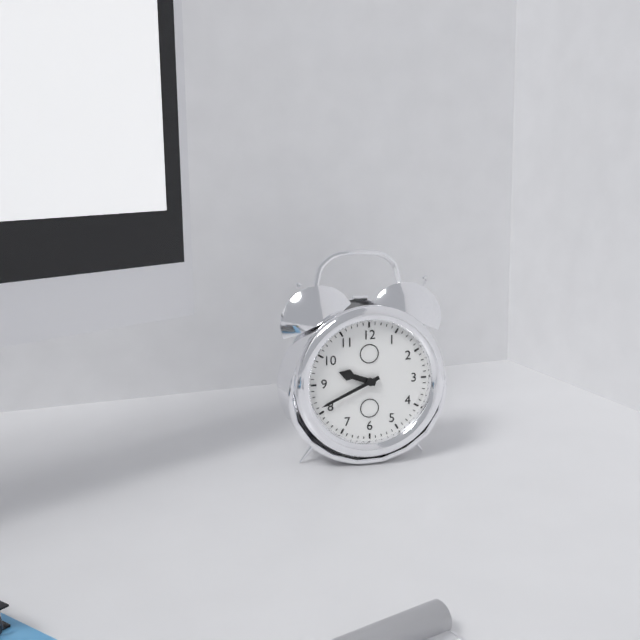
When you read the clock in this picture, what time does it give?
9:41
